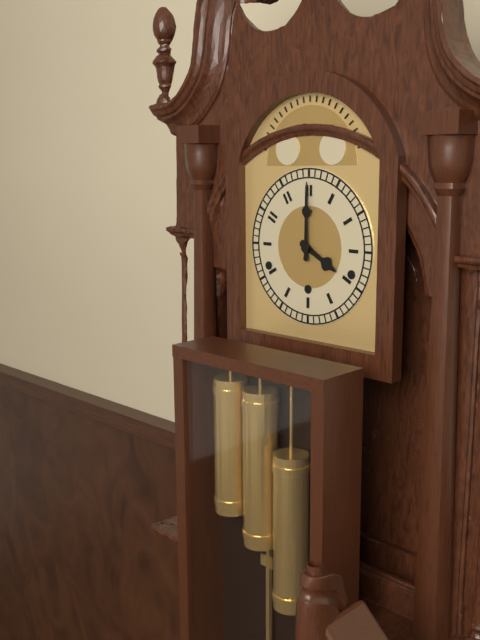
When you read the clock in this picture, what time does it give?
4:00
